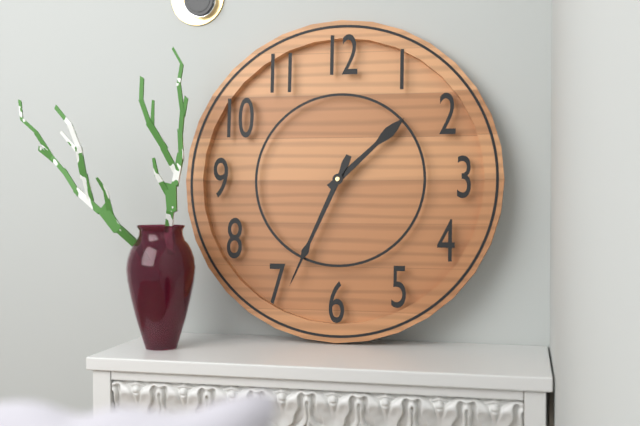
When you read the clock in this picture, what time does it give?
1:34
